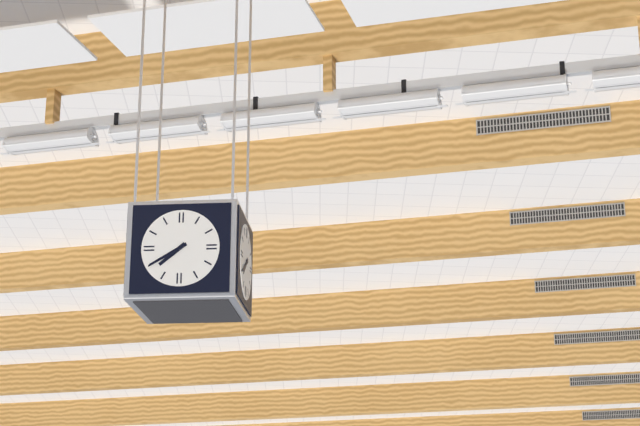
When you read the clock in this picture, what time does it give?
7:40
